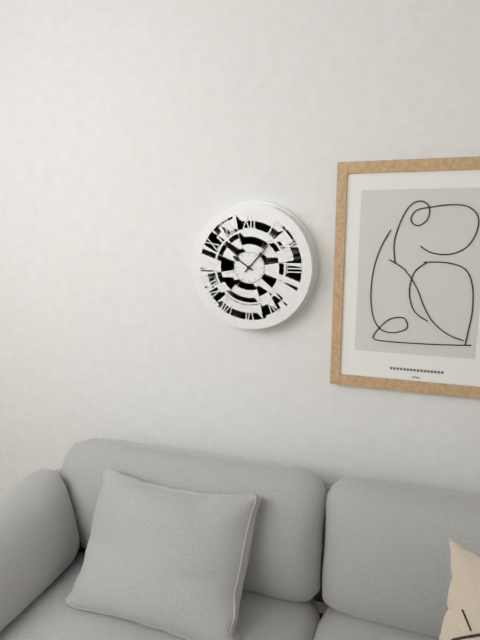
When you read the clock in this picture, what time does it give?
10:07
